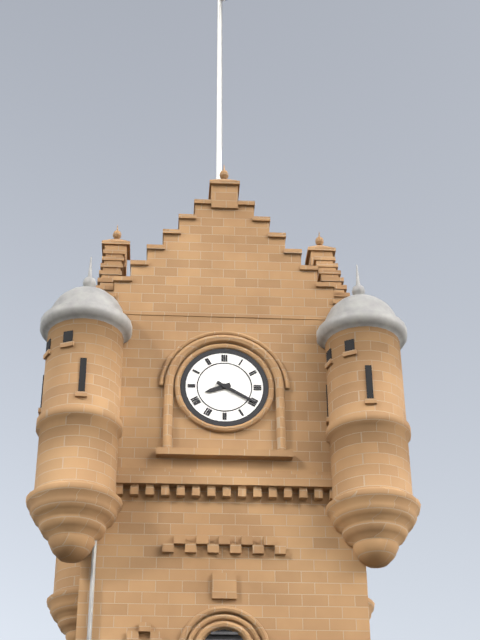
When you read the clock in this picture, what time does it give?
8:20
